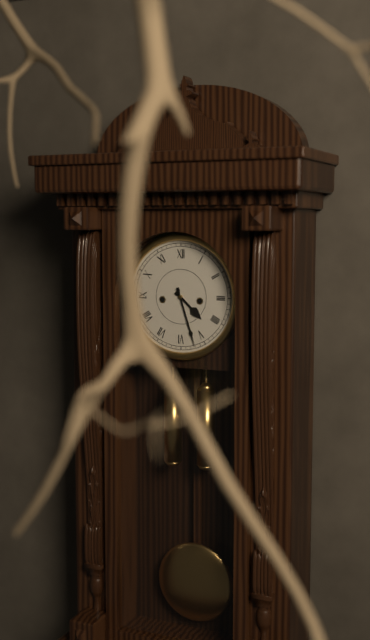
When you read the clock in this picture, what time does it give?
4:27
